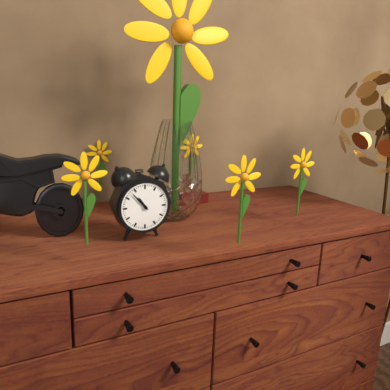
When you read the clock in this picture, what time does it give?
10:53
